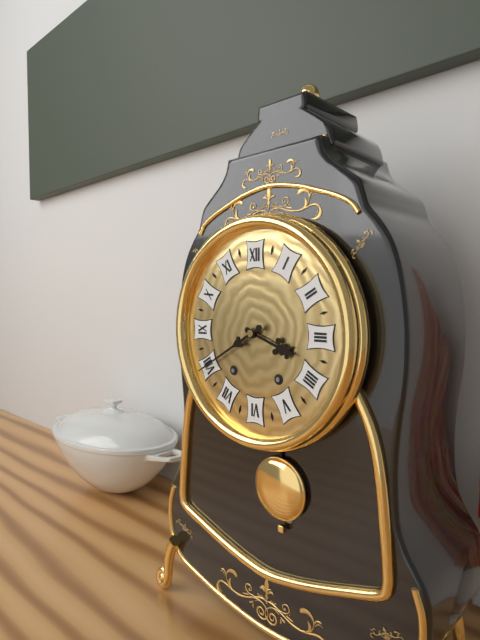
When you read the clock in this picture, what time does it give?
3:40
